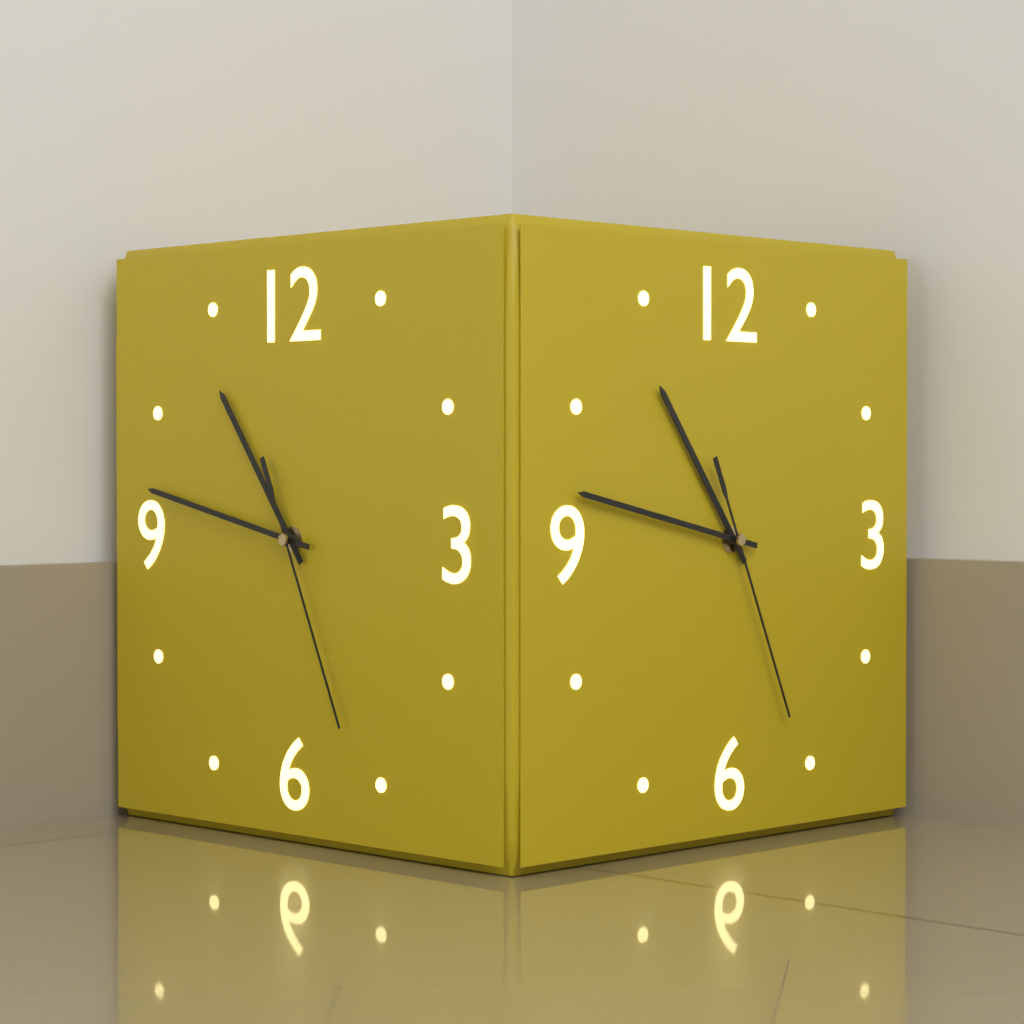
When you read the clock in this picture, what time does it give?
10:47:26
